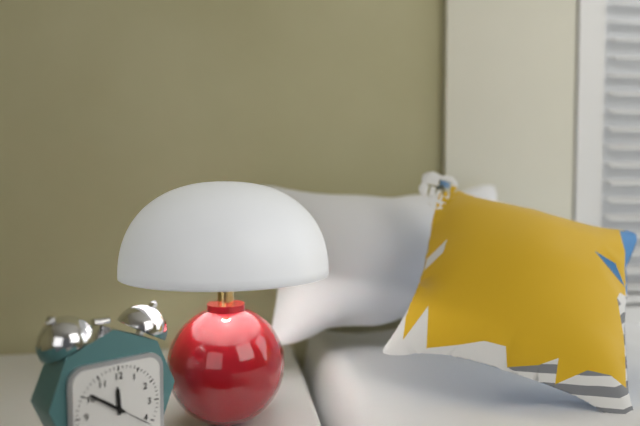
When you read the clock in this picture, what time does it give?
11:51
